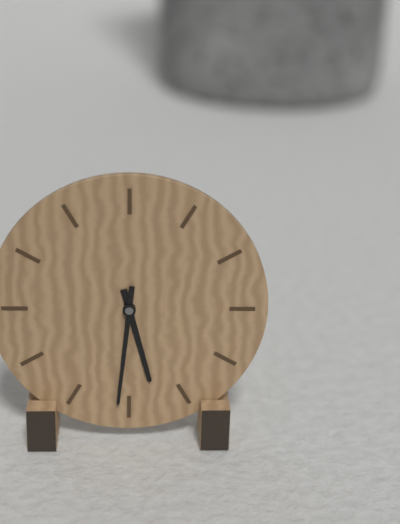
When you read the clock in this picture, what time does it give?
5:31
